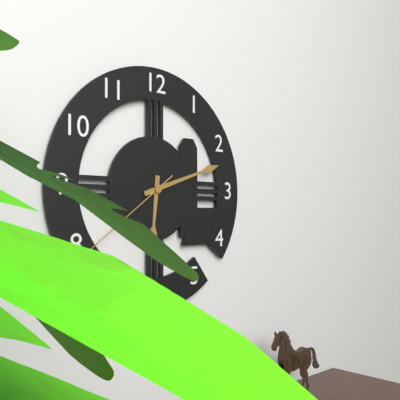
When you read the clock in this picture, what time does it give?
6:12:39
